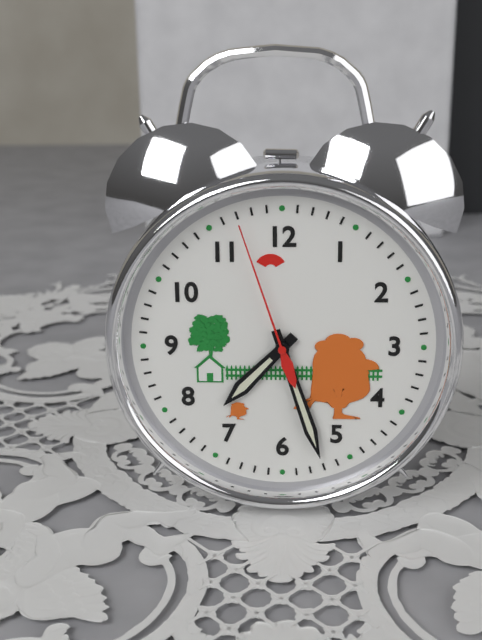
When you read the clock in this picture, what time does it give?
7:27:57
